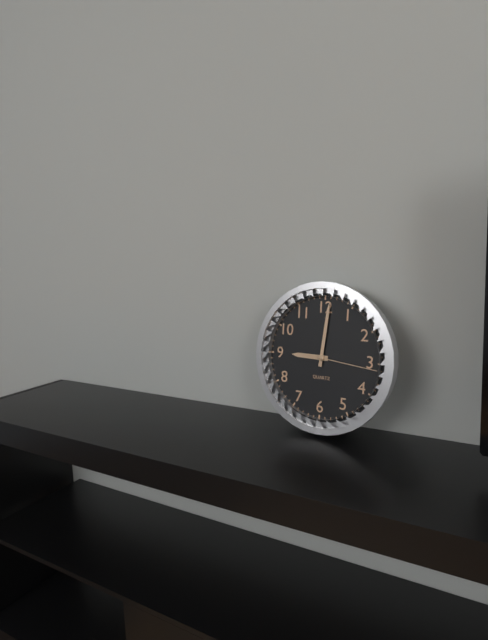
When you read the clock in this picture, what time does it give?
9:01:16
